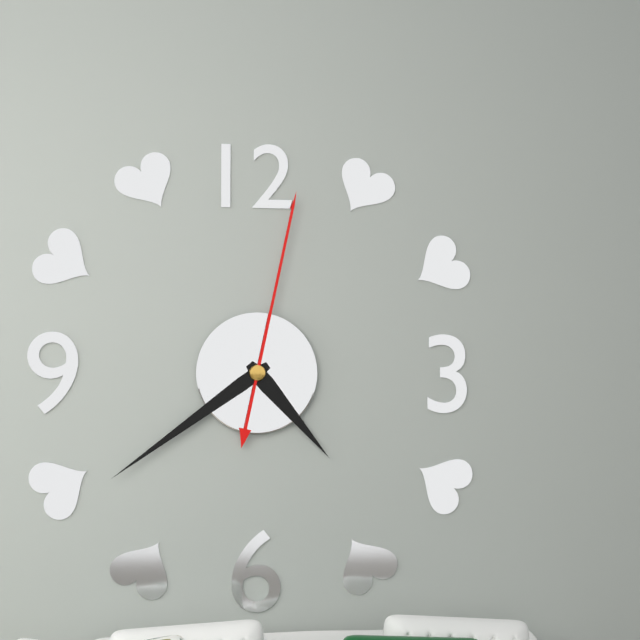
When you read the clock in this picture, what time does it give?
4:39:02
